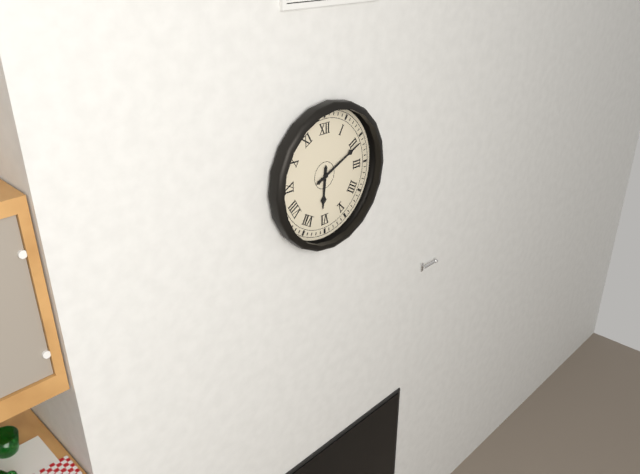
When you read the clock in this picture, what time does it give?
6:11
